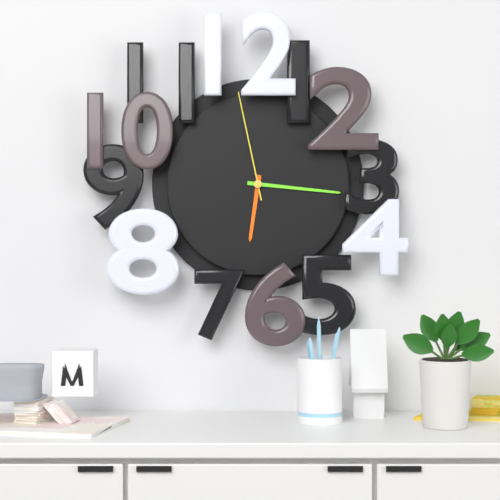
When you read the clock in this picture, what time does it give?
6:16:58
